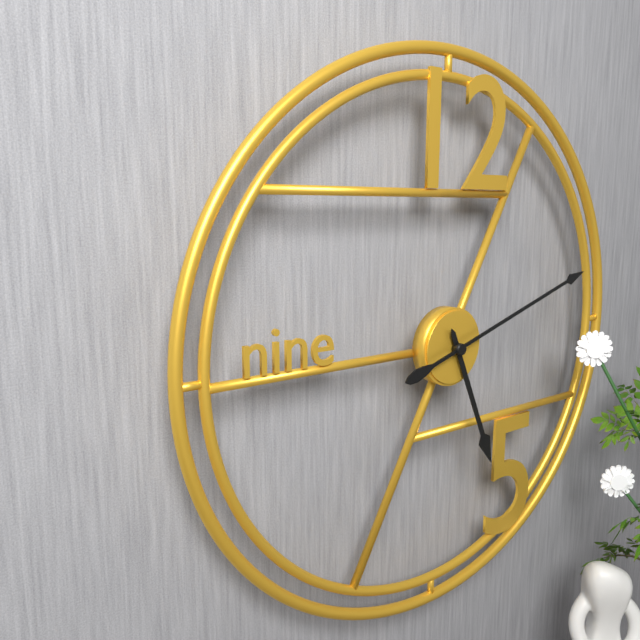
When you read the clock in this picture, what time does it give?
5:12
